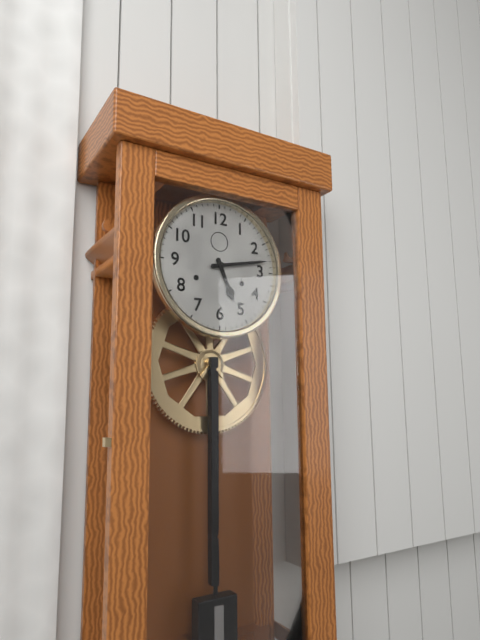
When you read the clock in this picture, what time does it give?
5:13
